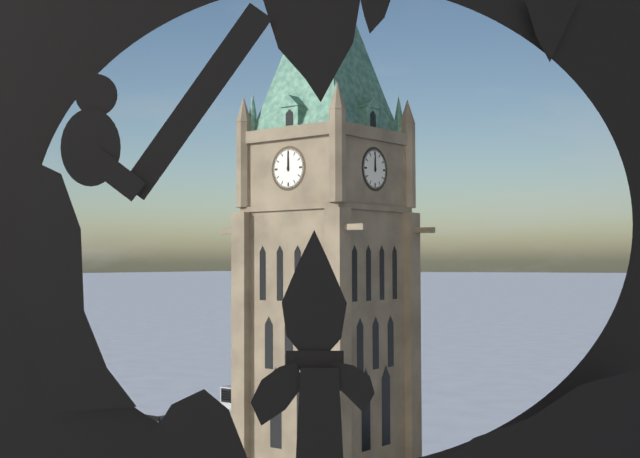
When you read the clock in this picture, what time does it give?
12:00
